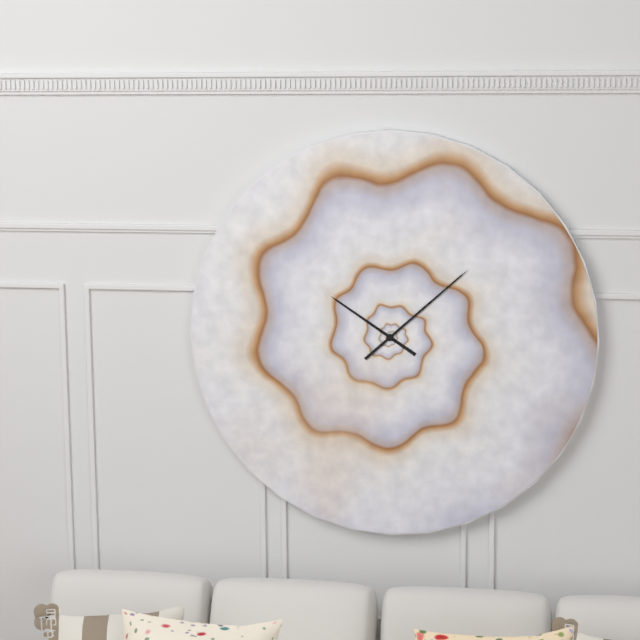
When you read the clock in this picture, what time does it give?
10:08
